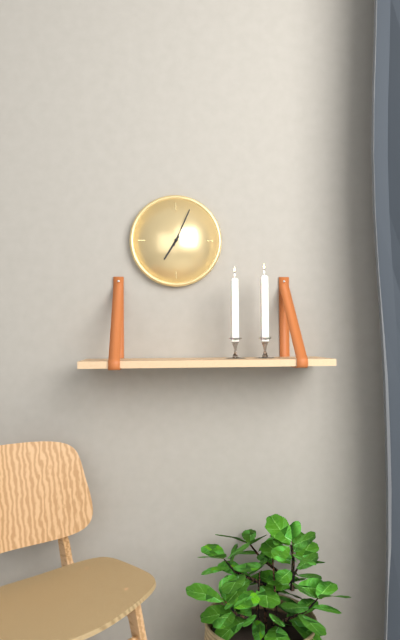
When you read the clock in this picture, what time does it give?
7:04
